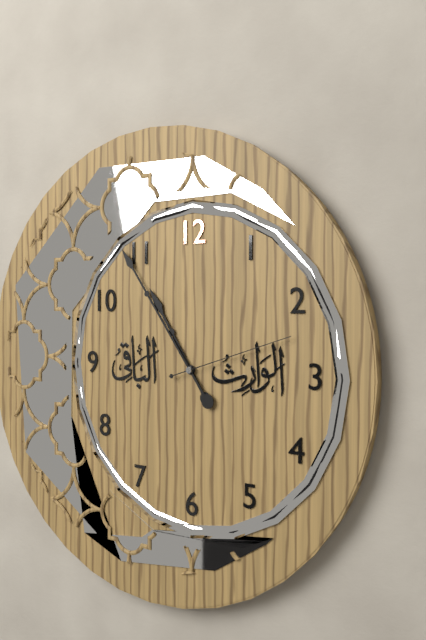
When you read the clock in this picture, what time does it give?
10:54:12
